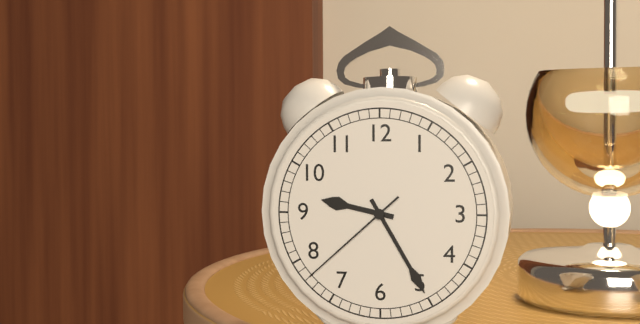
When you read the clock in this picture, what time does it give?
9:25:38
